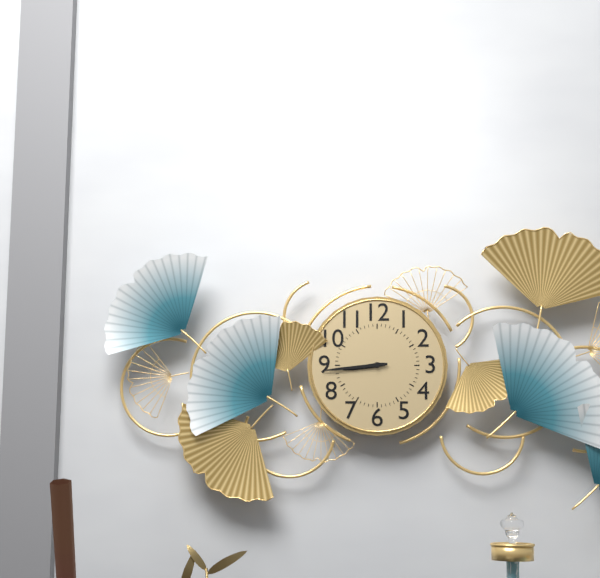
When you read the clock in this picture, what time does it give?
8:44
